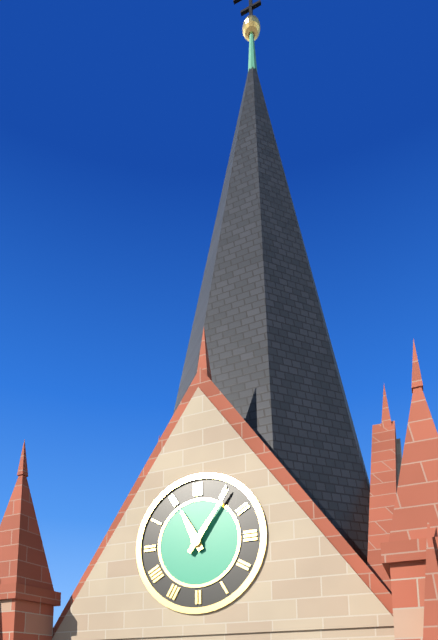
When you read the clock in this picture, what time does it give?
11:06
